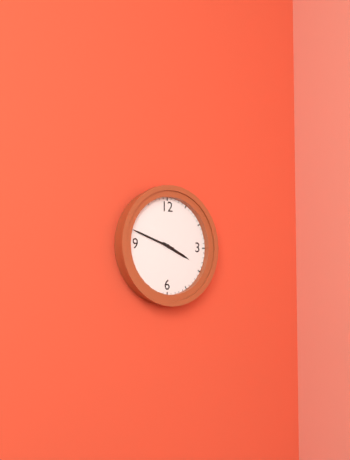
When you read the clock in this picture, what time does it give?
3:48
